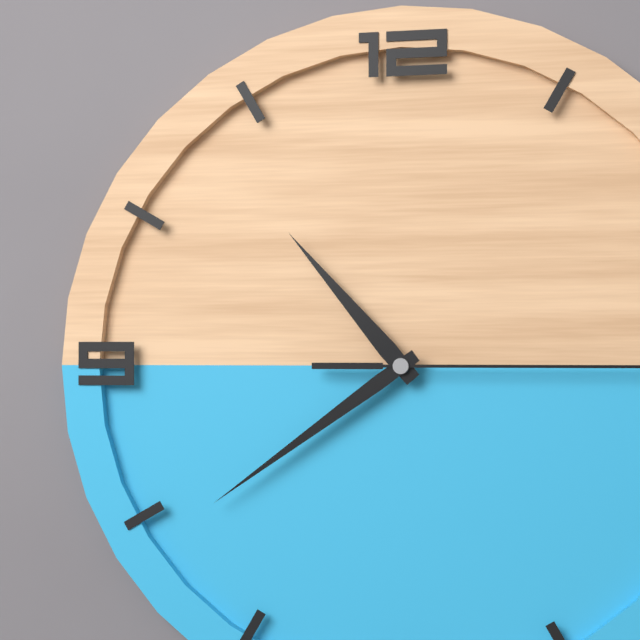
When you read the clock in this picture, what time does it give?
10:39
